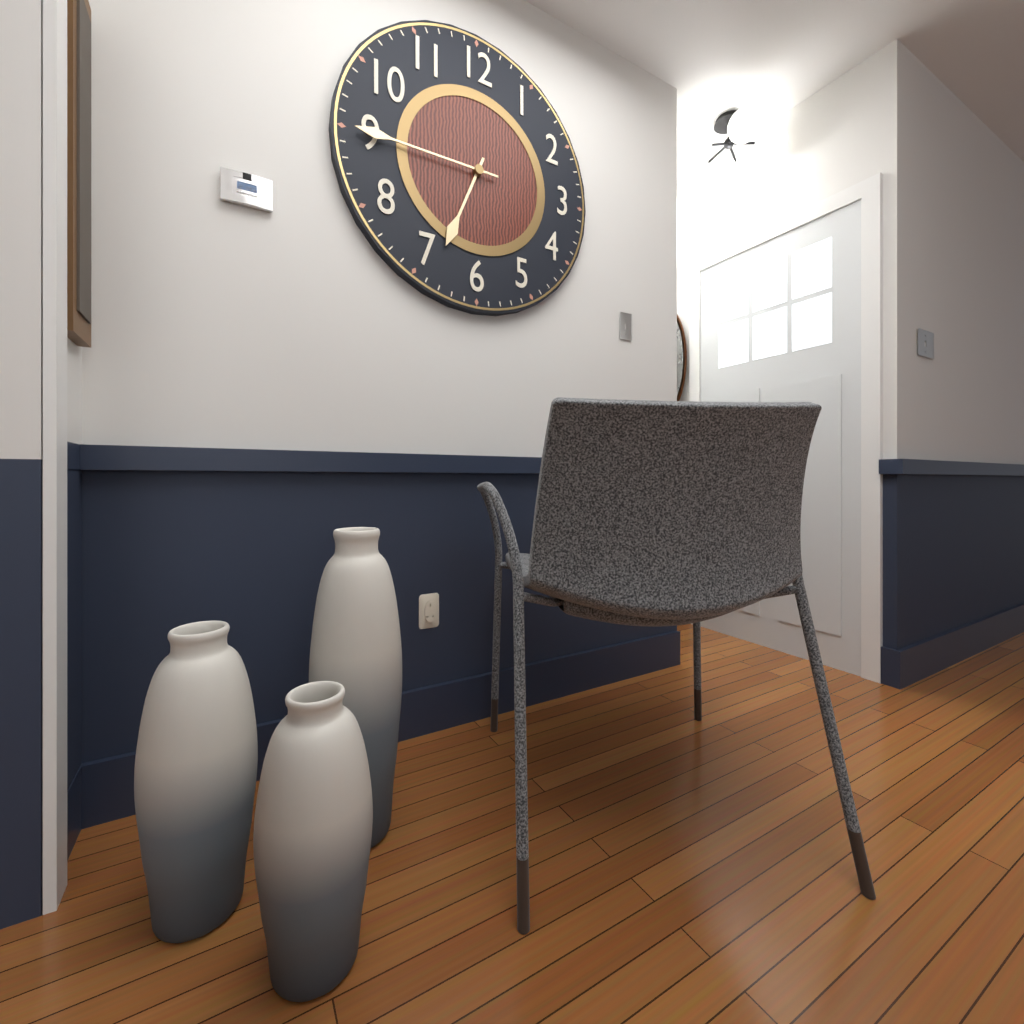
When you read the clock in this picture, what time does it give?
6:45
